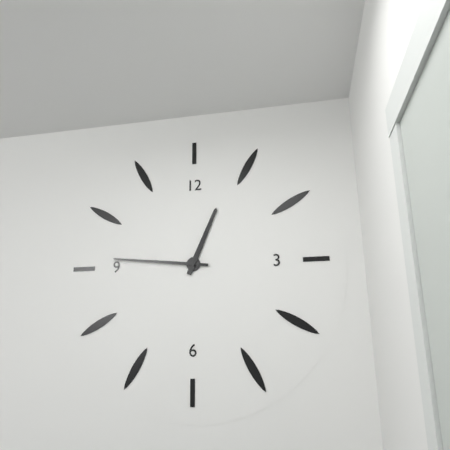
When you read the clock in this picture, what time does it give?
12:46
